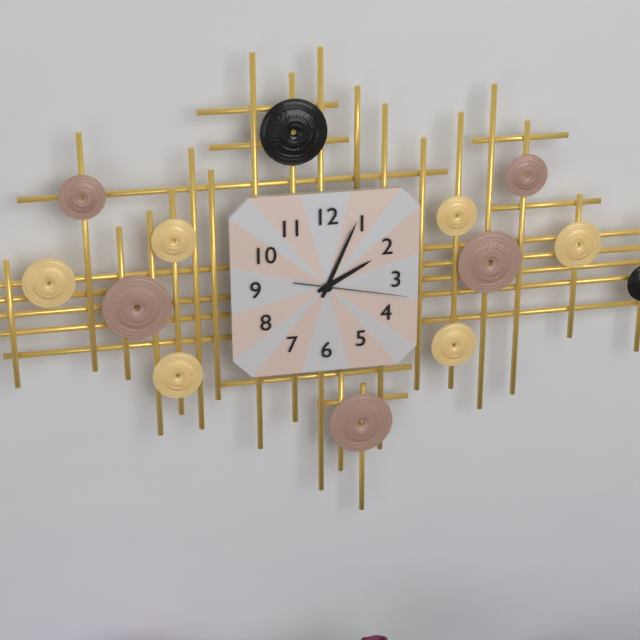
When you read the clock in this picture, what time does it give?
2:04:17
